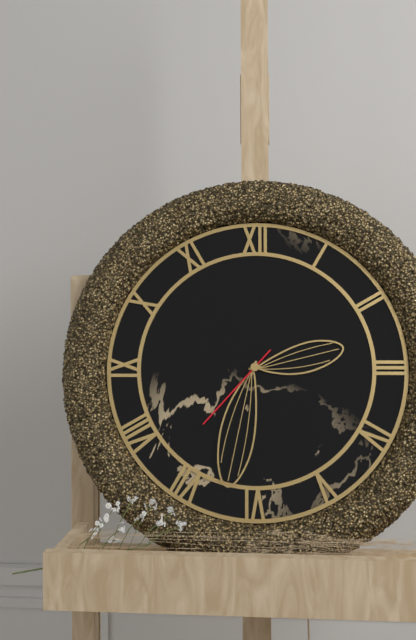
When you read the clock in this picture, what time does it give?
2:32:37
